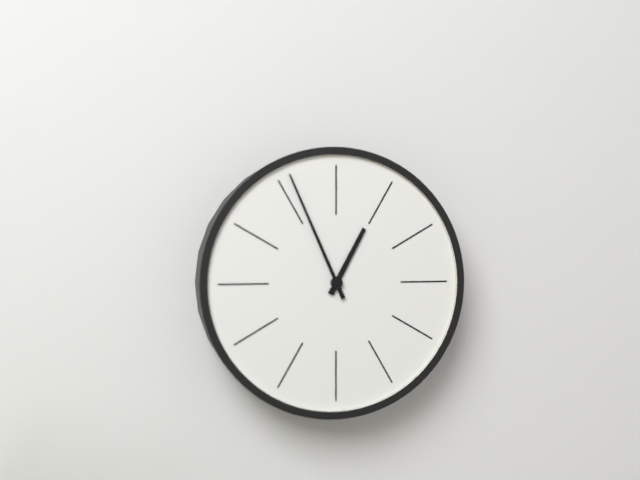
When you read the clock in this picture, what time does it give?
12:56
